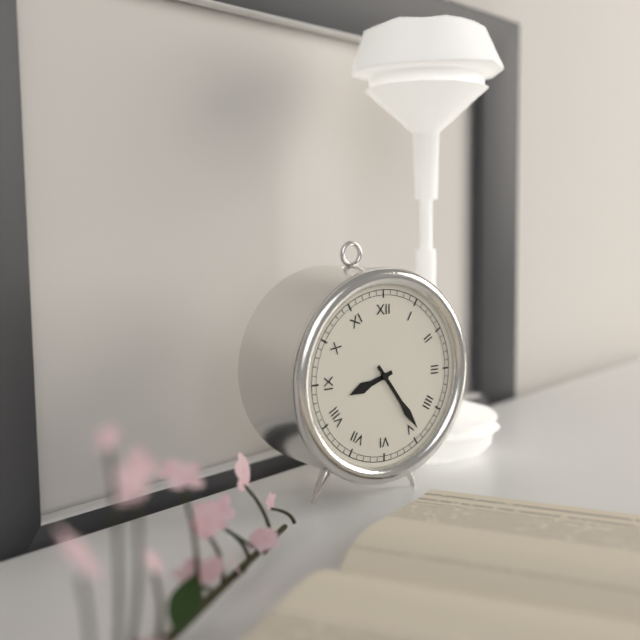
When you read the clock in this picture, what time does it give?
8:24
